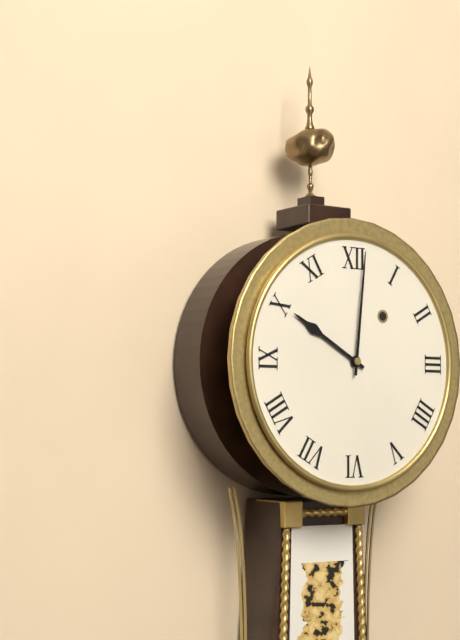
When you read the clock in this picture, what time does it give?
10:01
